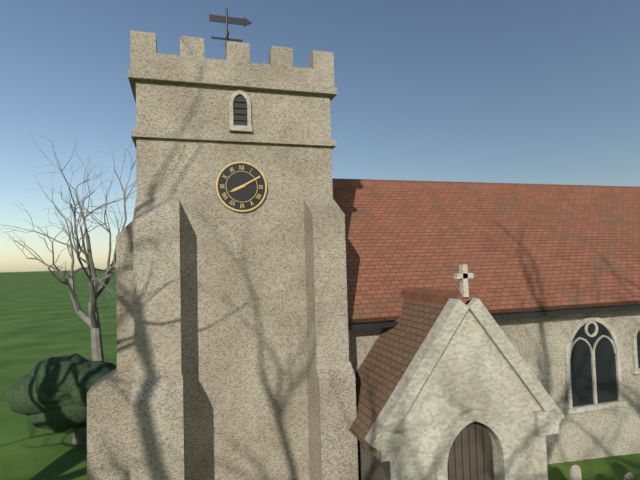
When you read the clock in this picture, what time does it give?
8:10
